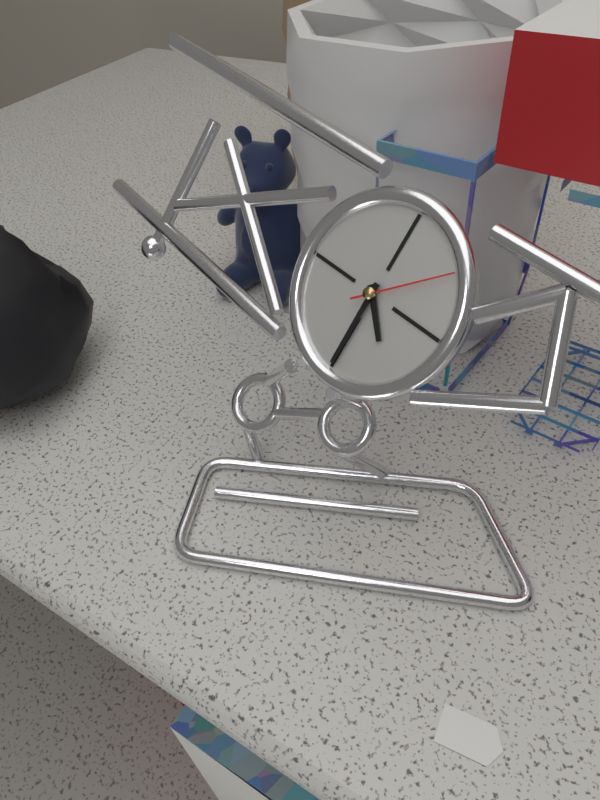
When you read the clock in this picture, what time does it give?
4:30:08
